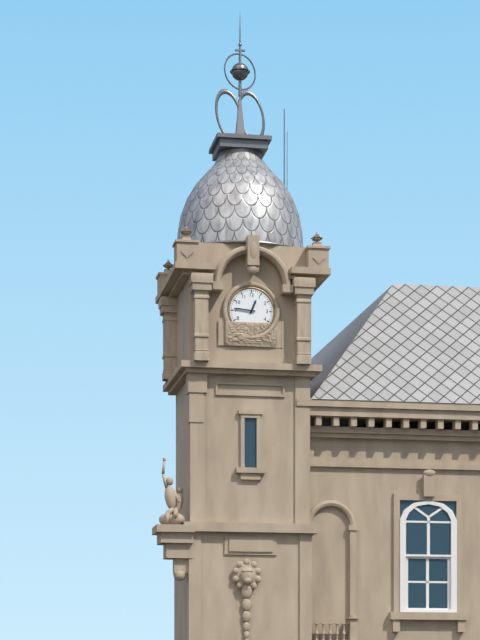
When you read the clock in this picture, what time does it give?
12:46
